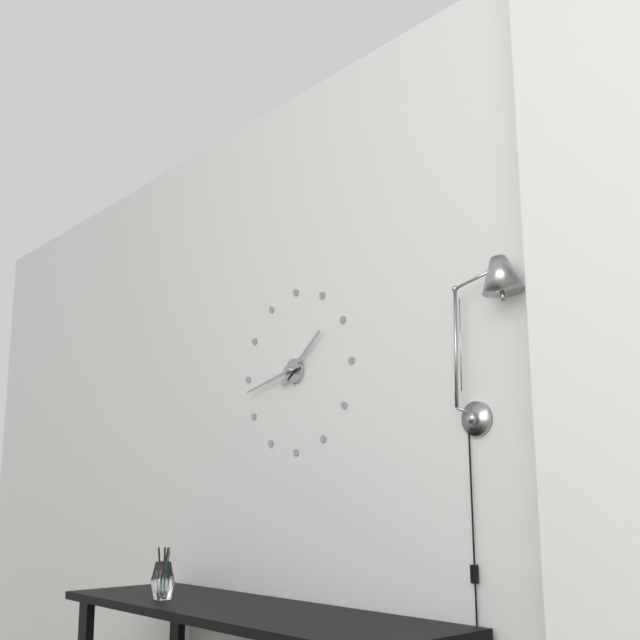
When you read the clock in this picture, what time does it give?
1:43
